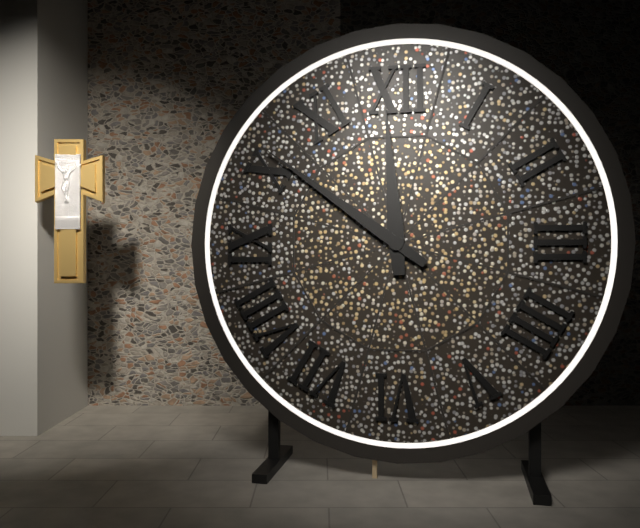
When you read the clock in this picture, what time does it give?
11:51
